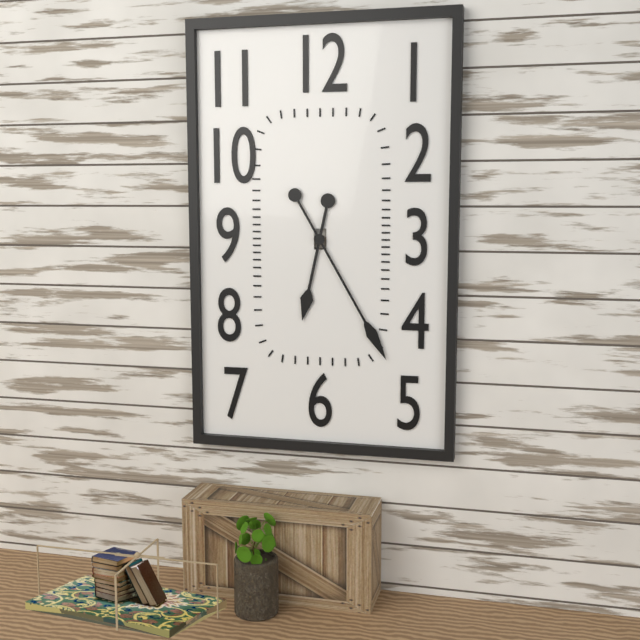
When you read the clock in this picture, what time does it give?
6:25
